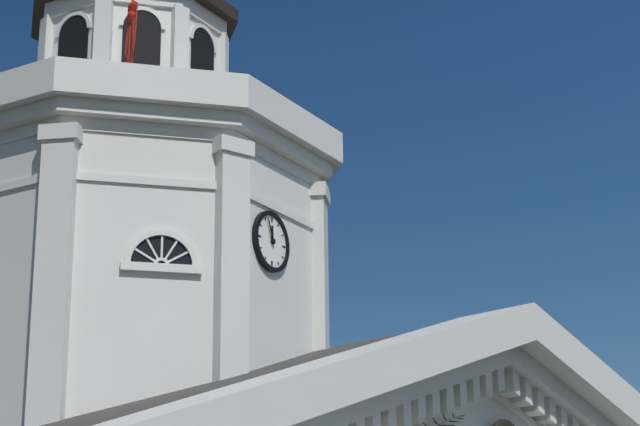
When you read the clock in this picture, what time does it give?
11:56
